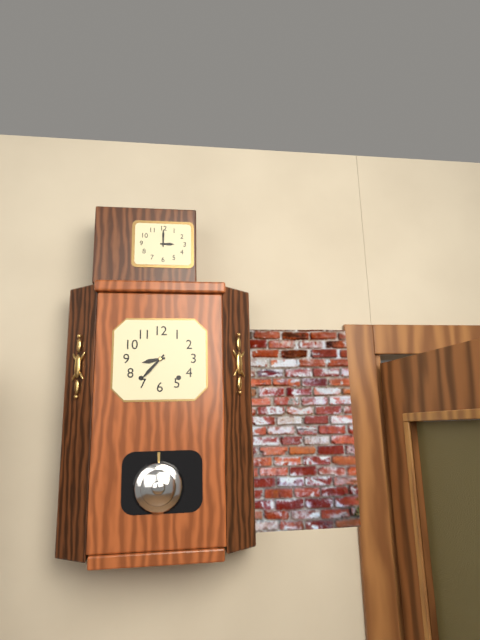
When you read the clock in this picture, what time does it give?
8:37
